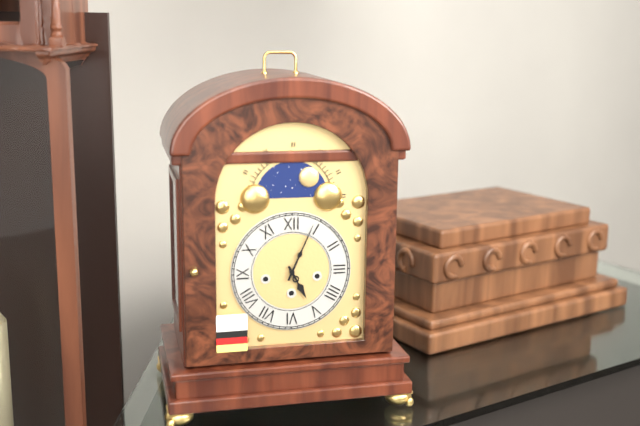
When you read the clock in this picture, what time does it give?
5:04
